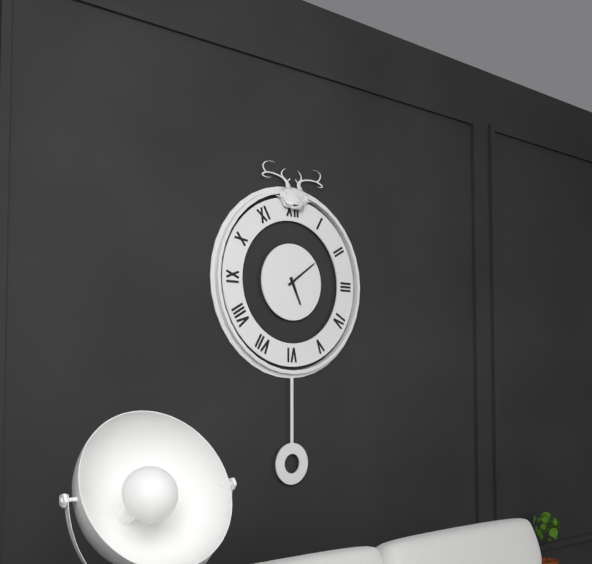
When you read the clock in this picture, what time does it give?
5:09
